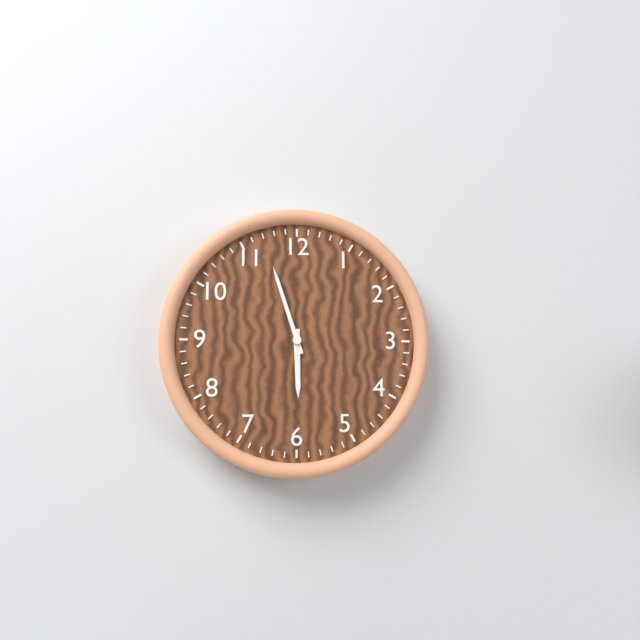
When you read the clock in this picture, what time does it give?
5:57
